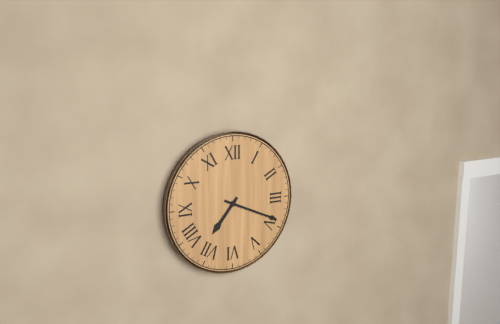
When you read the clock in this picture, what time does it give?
7:19
